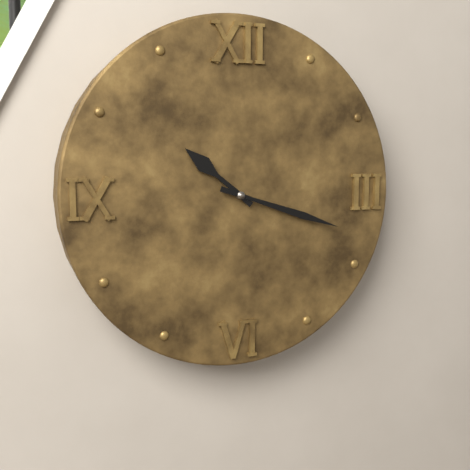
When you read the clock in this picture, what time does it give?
10:18
